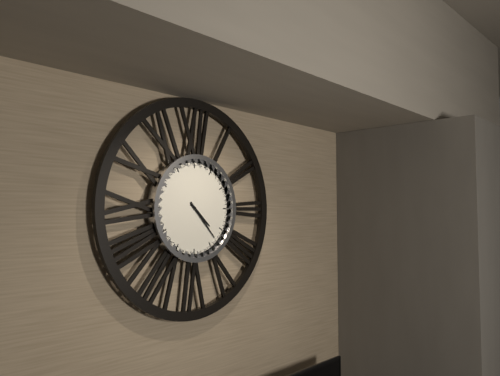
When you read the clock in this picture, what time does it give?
4:23
